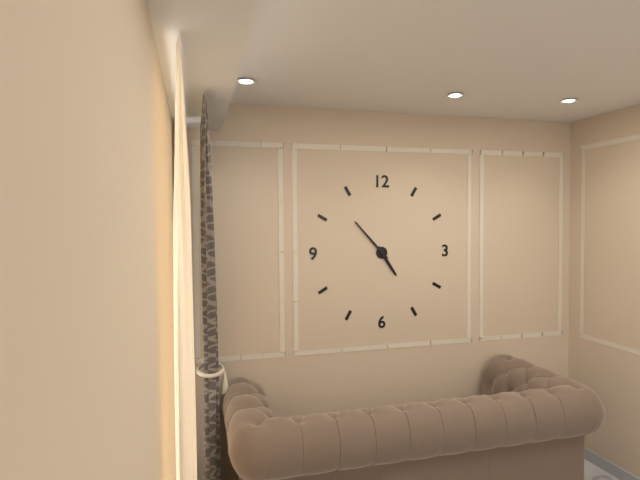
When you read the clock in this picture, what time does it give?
4:53
